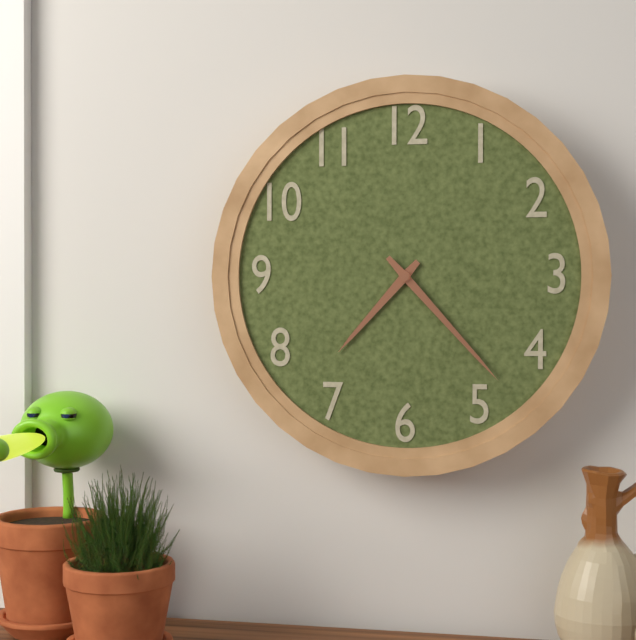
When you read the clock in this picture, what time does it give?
7:23
